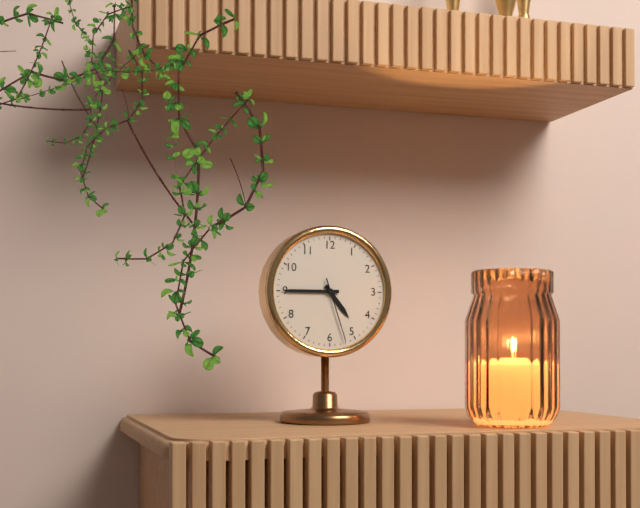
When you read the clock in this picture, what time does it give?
4:45:27
